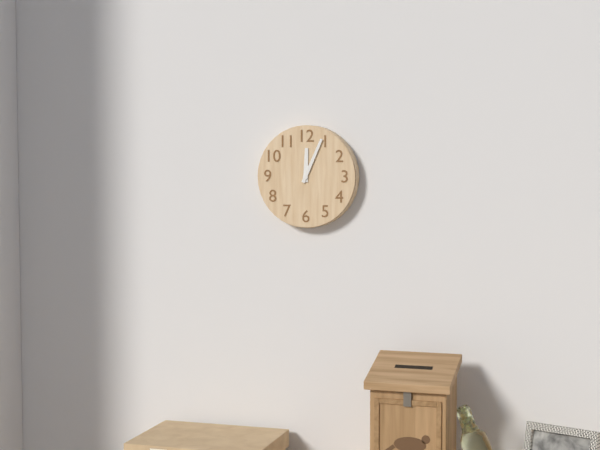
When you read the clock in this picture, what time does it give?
12:04
